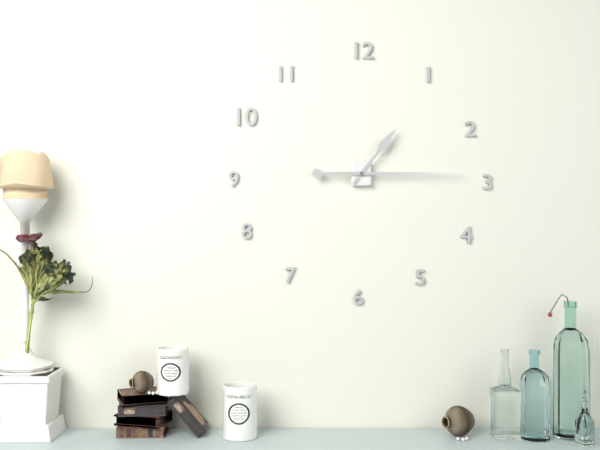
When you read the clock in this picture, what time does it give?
1:15
